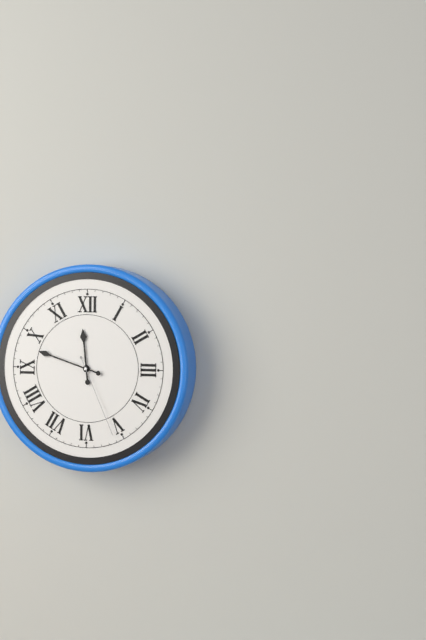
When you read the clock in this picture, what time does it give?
11:48:26
